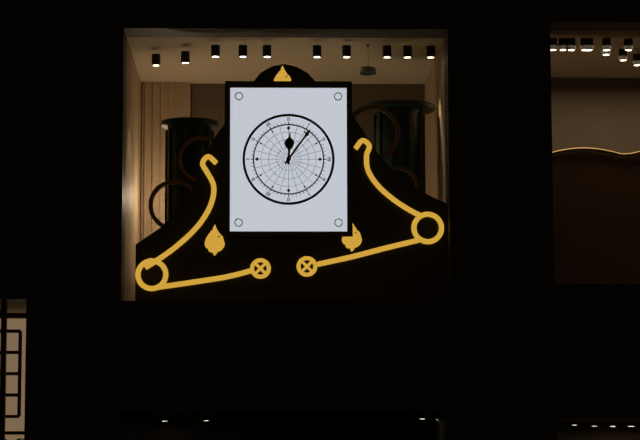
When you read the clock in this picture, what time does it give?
12:06
